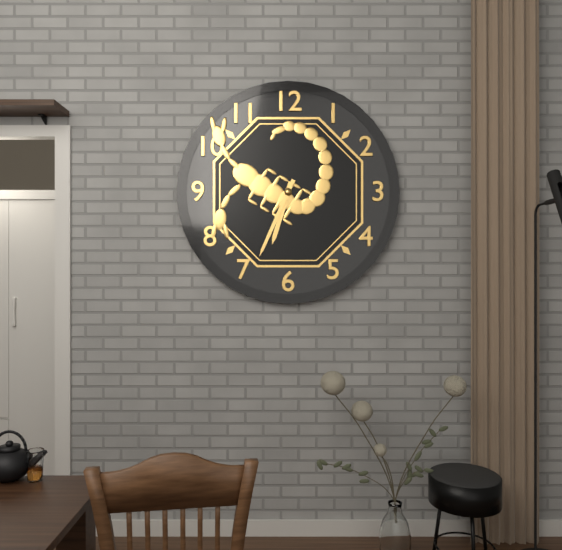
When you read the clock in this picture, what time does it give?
6:34
